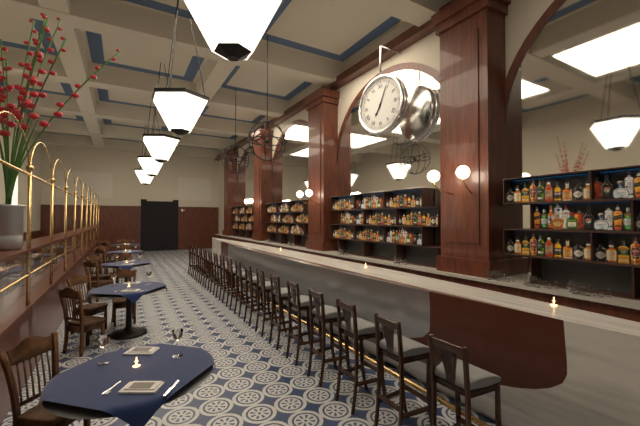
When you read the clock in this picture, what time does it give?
7:04
